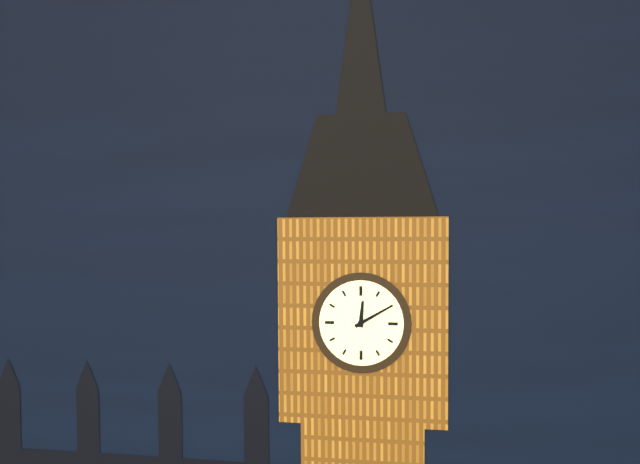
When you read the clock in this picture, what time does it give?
12:10
